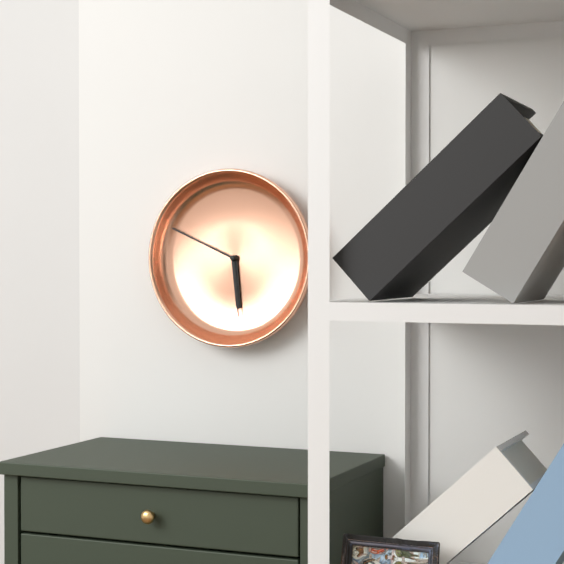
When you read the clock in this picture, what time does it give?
5:49:29
